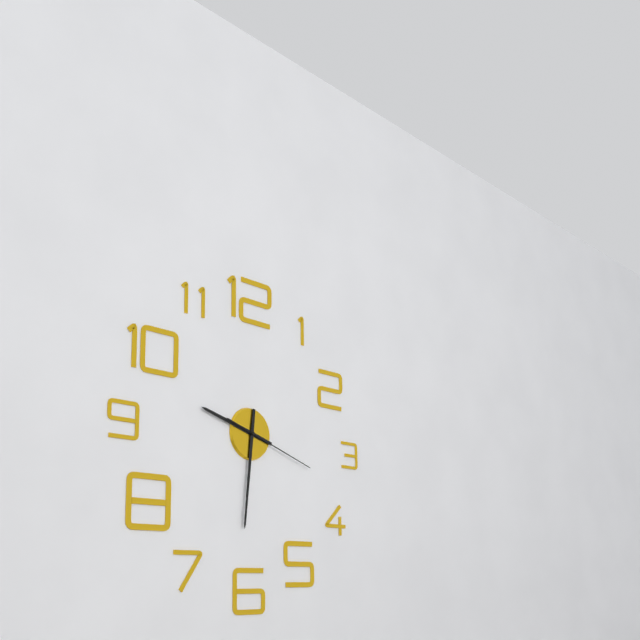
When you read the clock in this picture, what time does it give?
9:31:18
